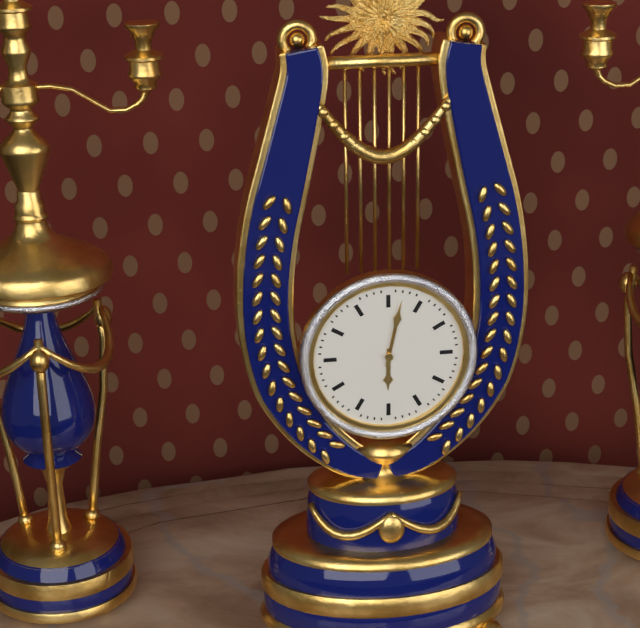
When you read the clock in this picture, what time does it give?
6:02
